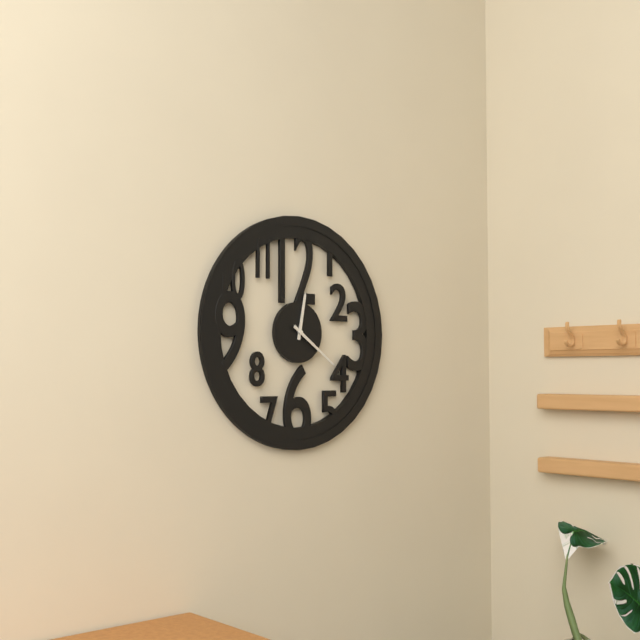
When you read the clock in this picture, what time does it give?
12:21
